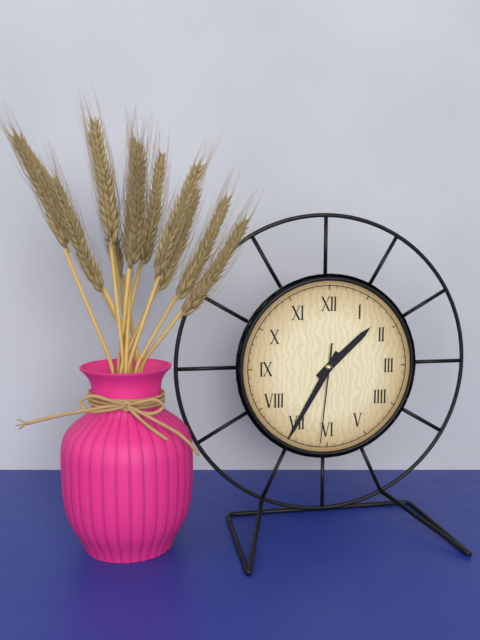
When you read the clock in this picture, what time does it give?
1:35:31
